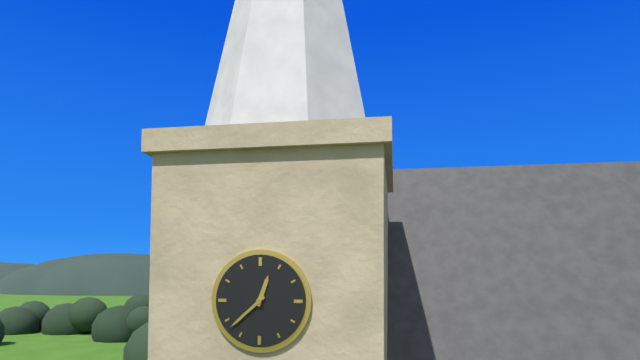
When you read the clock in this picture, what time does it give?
12:38
